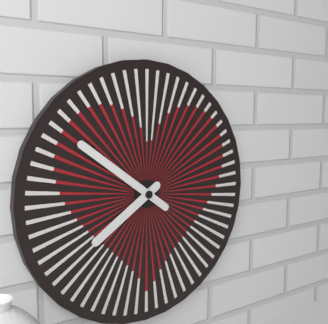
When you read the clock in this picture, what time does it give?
7:51
